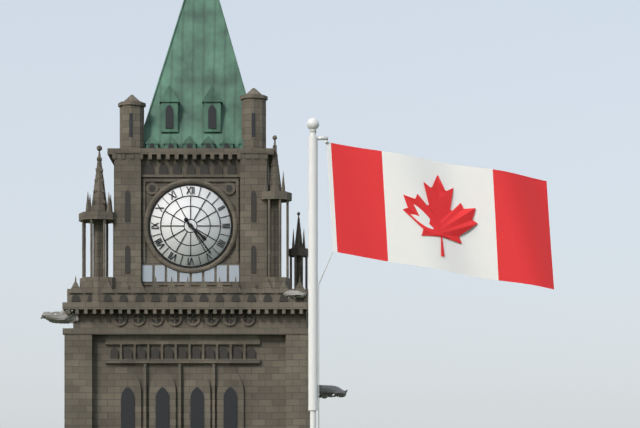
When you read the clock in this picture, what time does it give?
4:24
